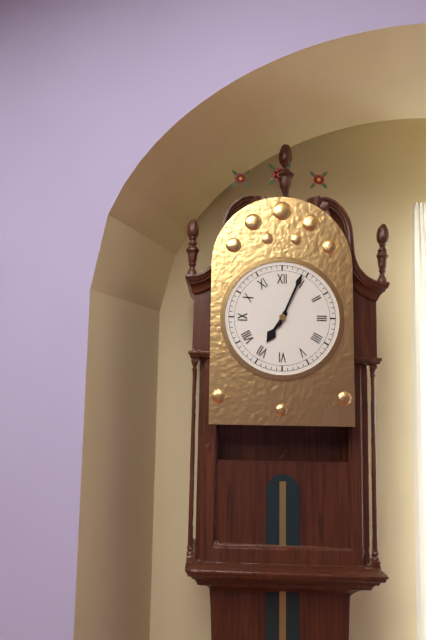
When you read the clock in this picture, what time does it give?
7:04
